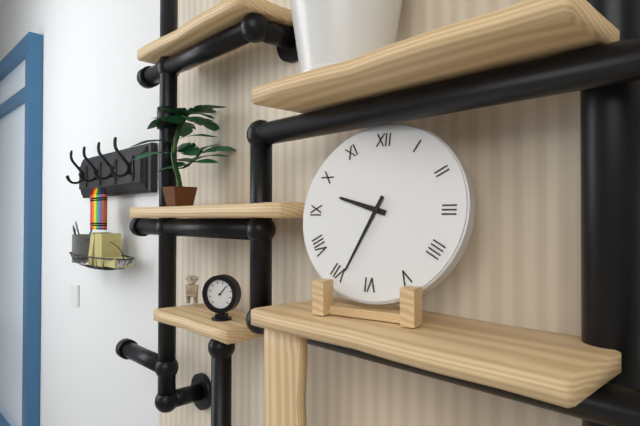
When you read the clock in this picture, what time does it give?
9:34
